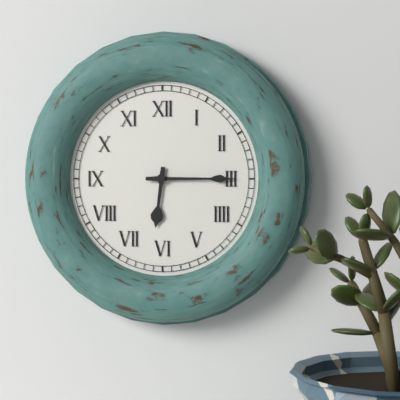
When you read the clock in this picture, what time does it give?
6:15
